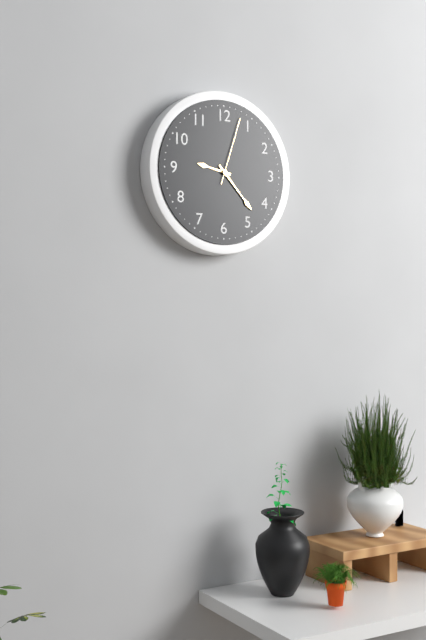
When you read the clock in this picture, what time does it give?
9:23:03
